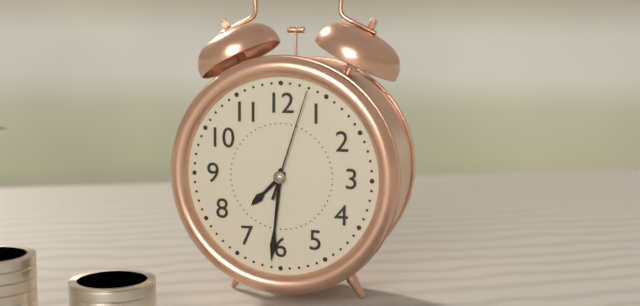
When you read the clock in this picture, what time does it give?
7:31:03
